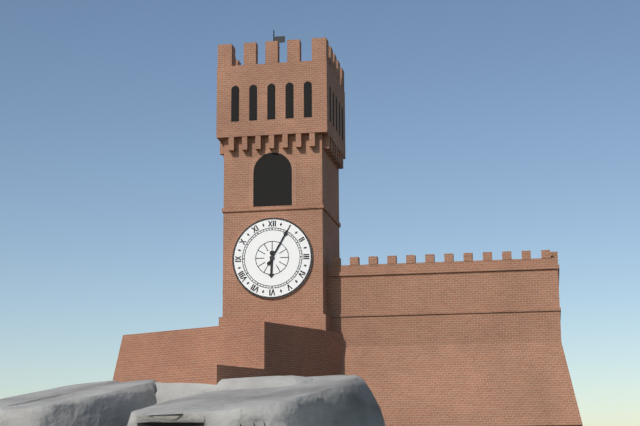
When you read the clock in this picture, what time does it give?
6:05
